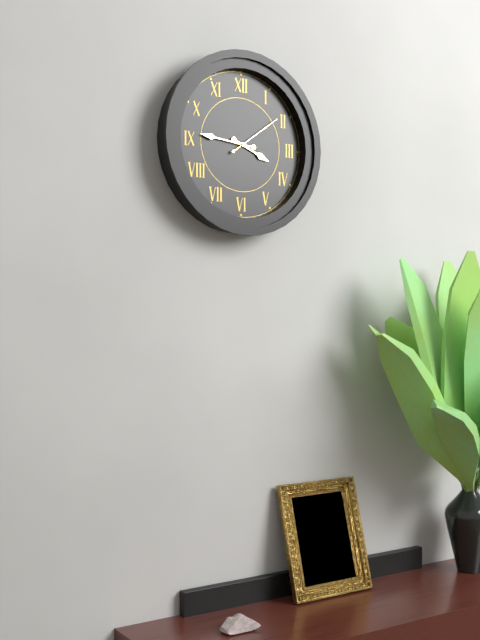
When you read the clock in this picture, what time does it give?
3:46:09
